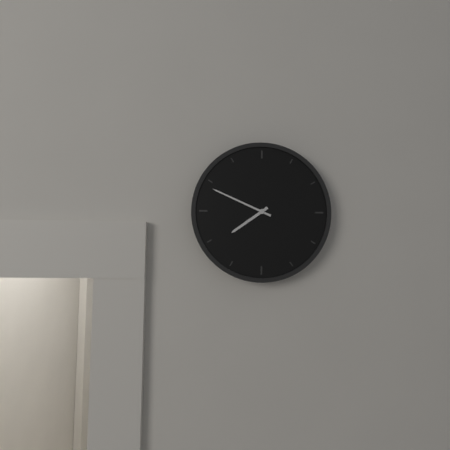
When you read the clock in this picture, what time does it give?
7:49
